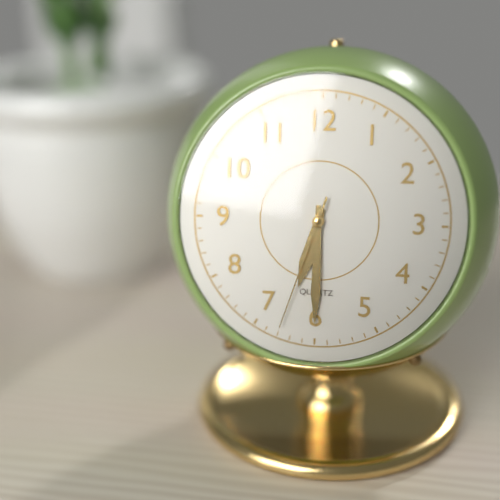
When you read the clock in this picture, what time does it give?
6:30:33
